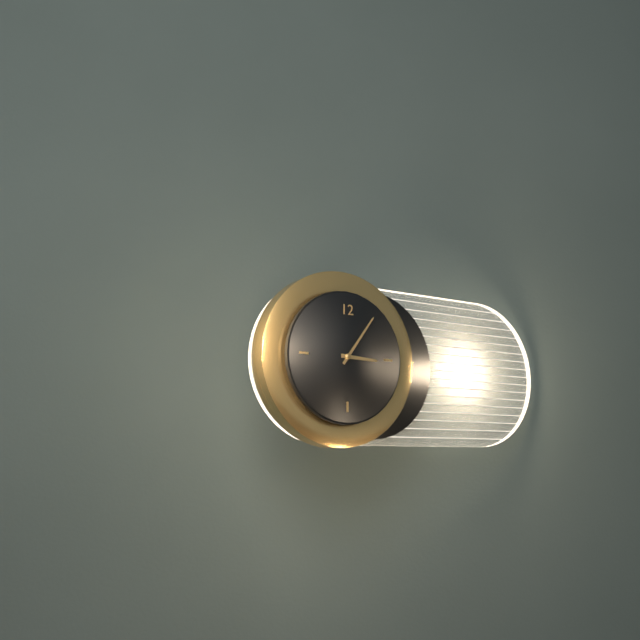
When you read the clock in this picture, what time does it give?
3:06
